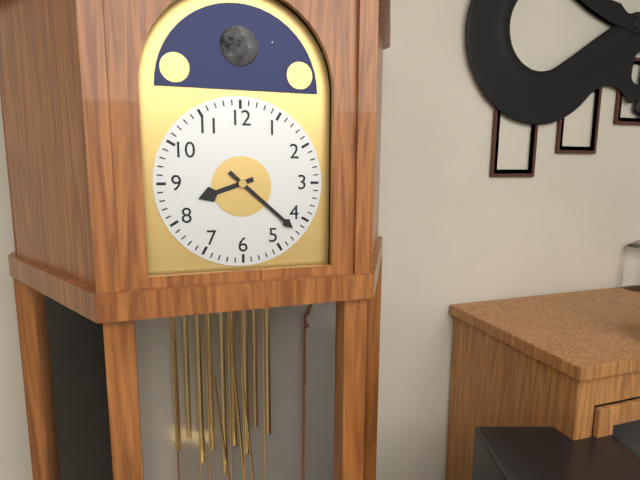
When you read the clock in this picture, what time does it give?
8:22
